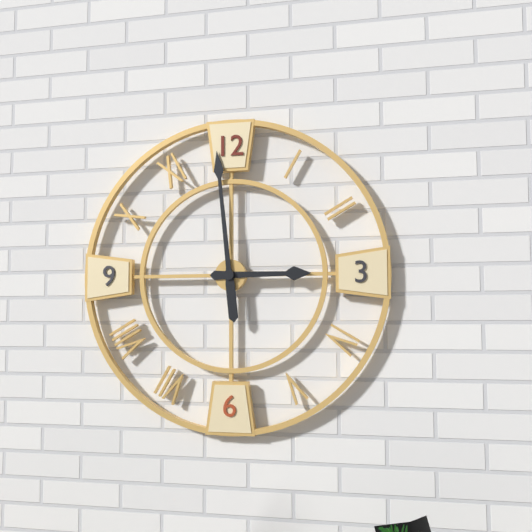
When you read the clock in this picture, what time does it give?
2:59
